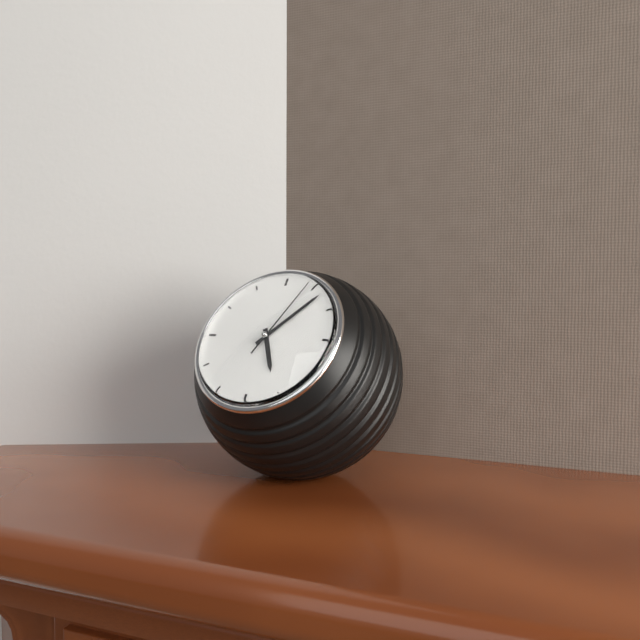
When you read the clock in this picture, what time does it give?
5:07:04
